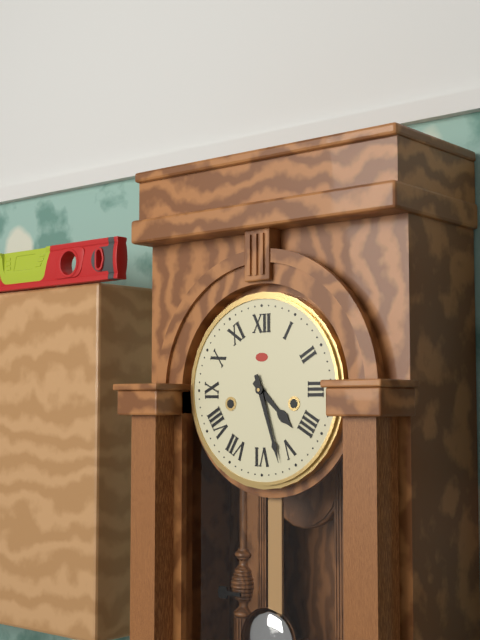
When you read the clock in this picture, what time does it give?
4:27
